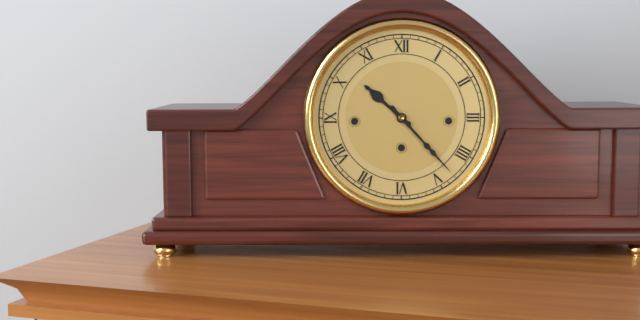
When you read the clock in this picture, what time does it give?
10:23
